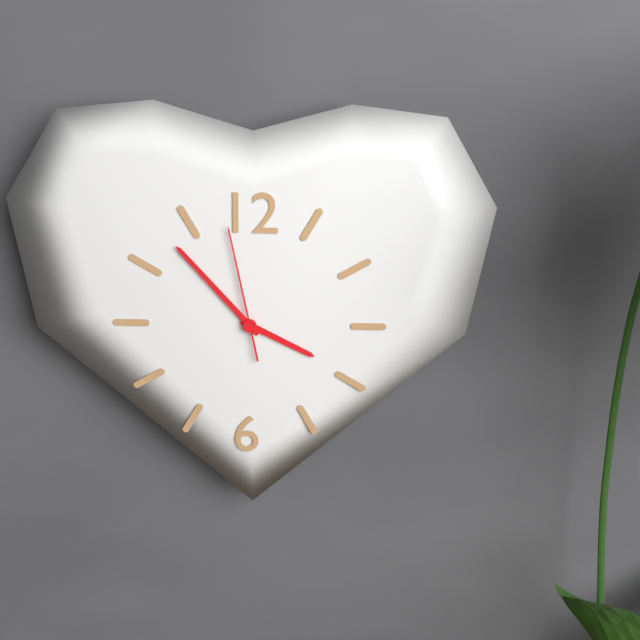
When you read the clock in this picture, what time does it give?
3:53:58
